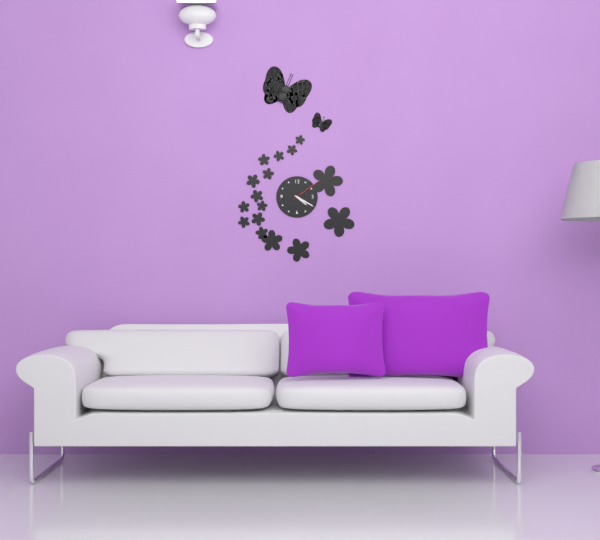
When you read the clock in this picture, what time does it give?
4:20
